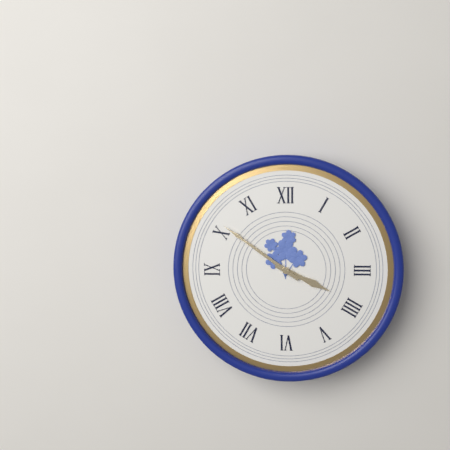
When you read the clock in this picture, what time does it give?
3:51
